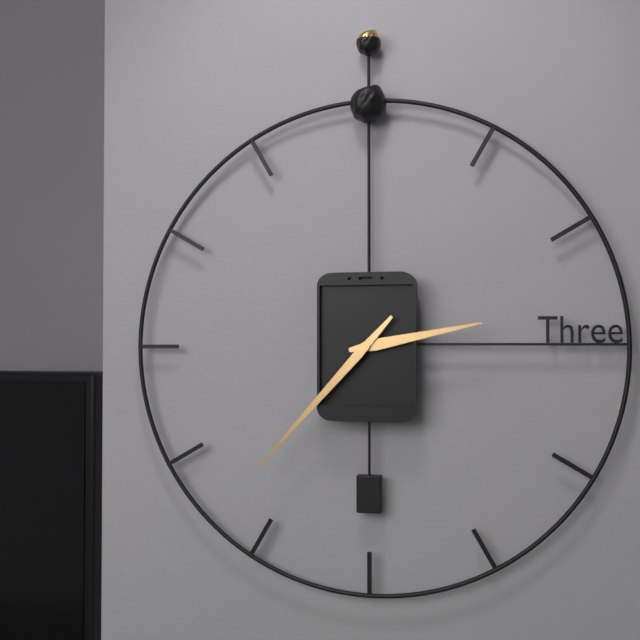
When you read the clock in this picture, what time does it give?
2:37
